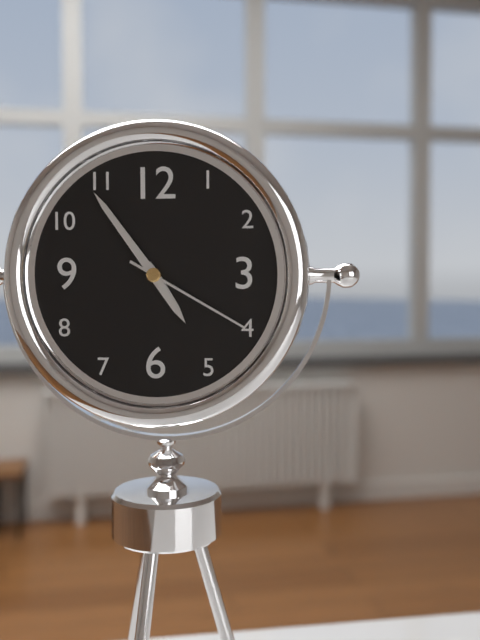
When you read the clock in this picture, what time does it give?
4:54:20
